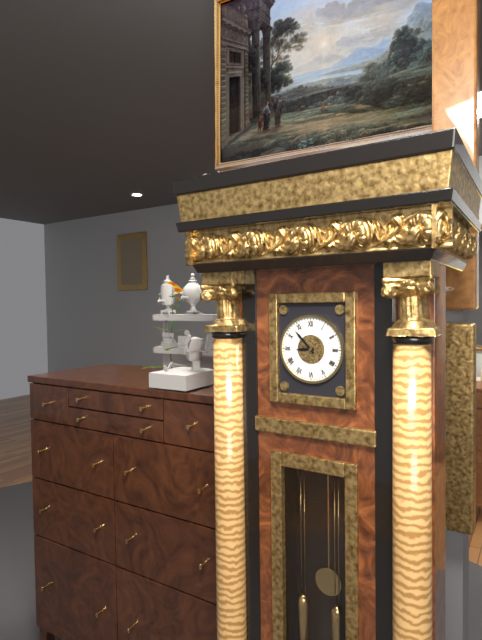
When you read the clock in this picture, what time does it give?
8:53
